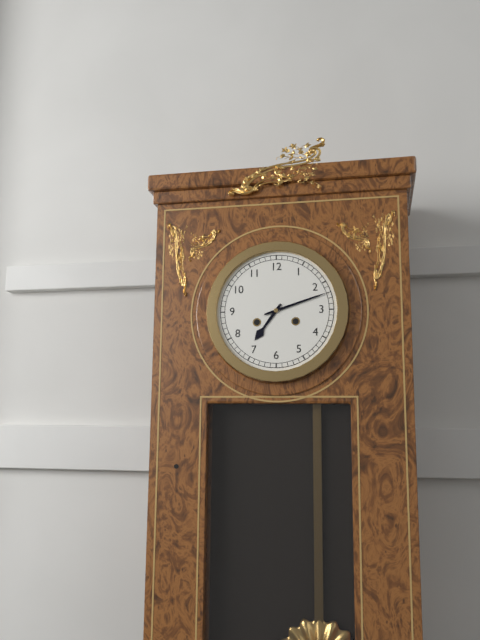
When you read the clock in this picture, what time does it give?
7:12
